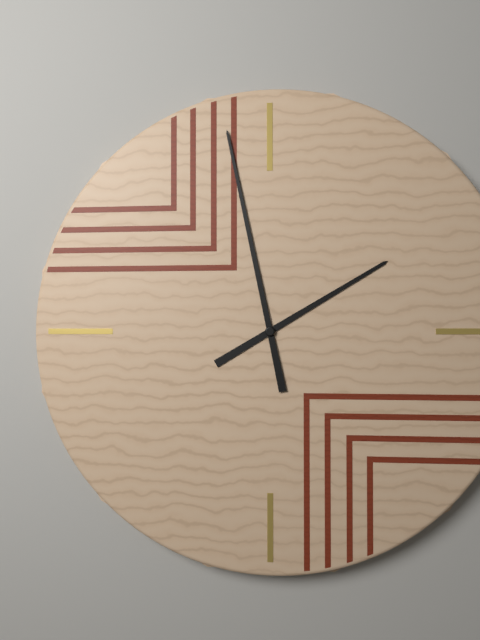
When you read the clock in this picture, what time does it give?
1:58
